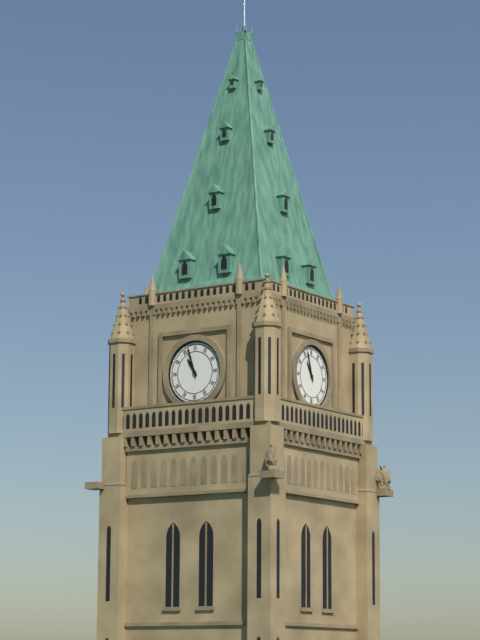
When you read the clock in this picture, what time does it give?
10:57
